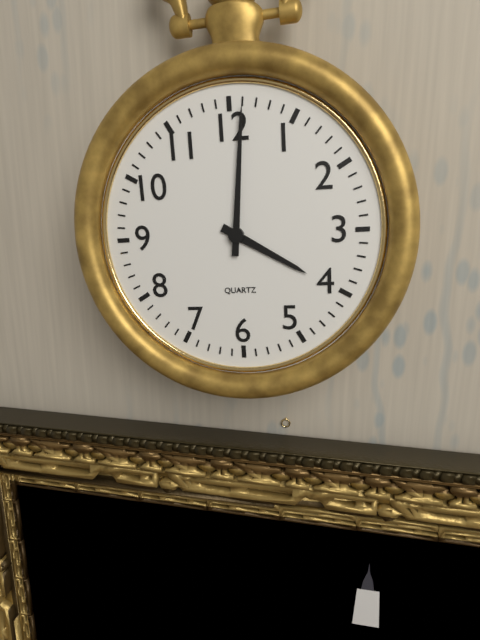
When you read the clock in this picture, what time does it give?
4:01
